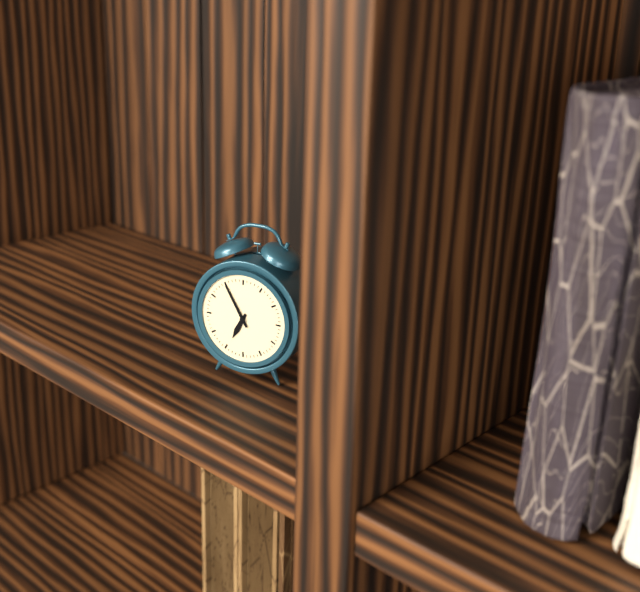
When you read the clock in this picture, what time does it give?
6:55
